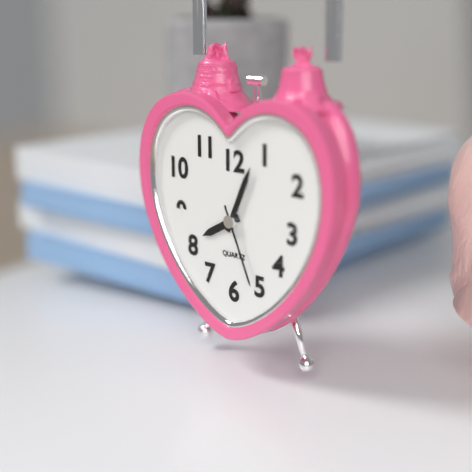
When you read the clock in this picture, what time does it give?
8:04:26
